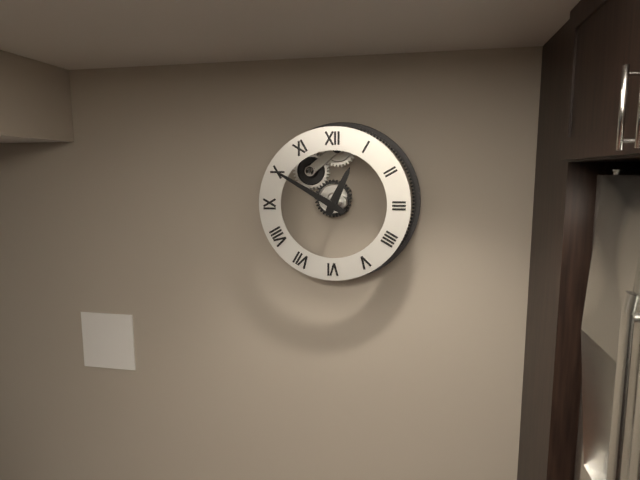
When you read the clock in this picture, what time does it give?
12:50
